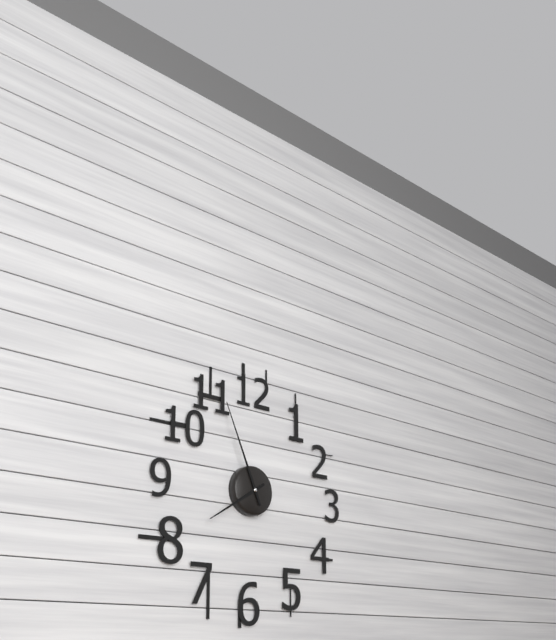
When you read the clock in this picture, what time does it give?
7:56
